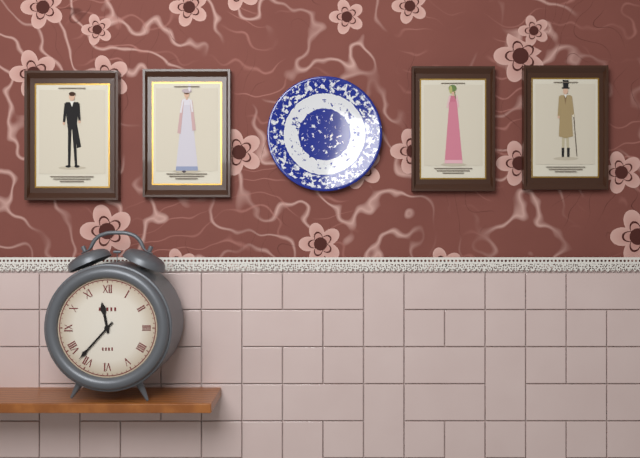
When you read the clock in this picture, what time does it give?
11:37
